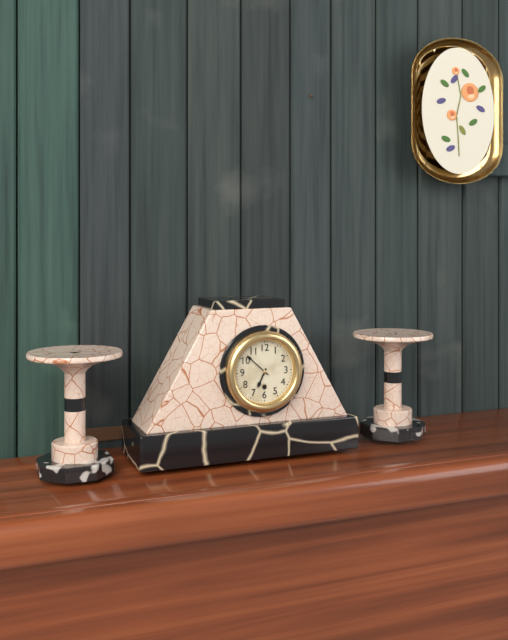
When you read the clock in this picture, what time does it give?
6:52
